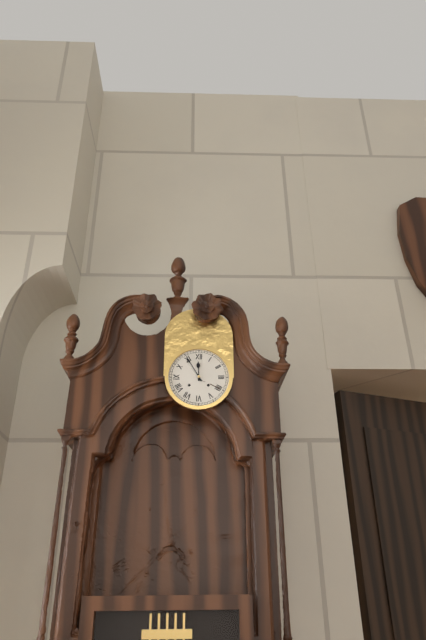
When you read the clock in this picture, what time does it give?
11:55
